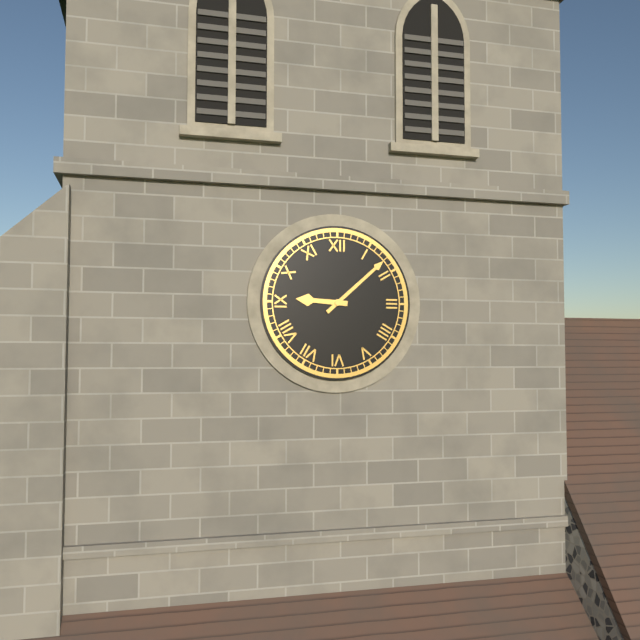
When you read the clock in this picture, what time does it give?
9:08
